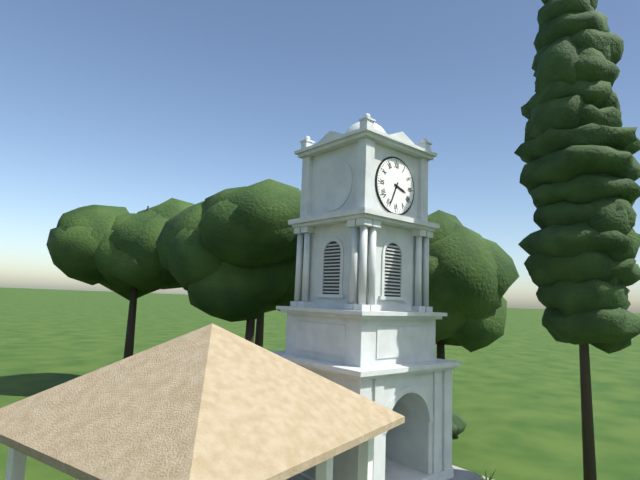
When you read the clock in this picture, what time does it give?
3:34
